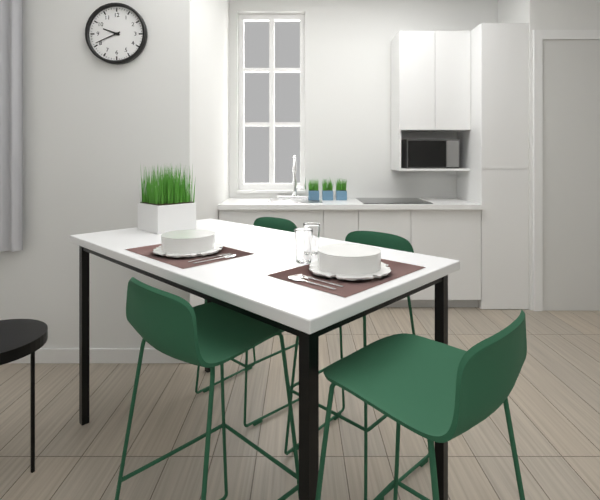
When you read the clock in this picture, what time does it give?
9:41
